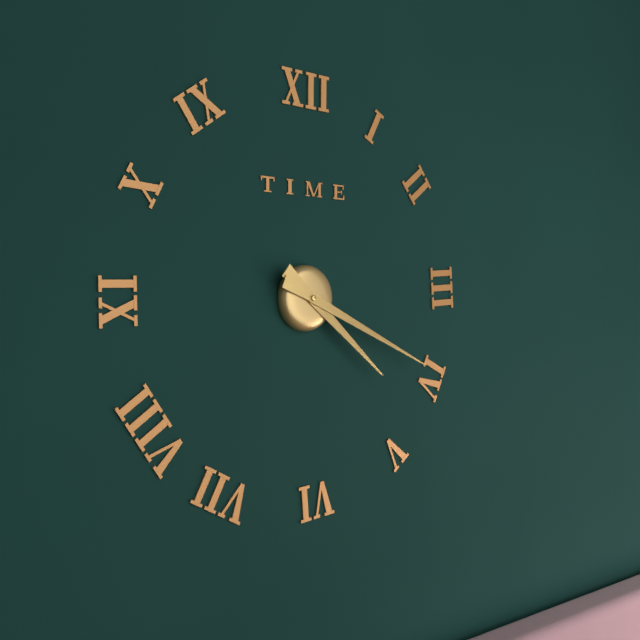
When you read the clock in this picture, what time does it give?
4:19
